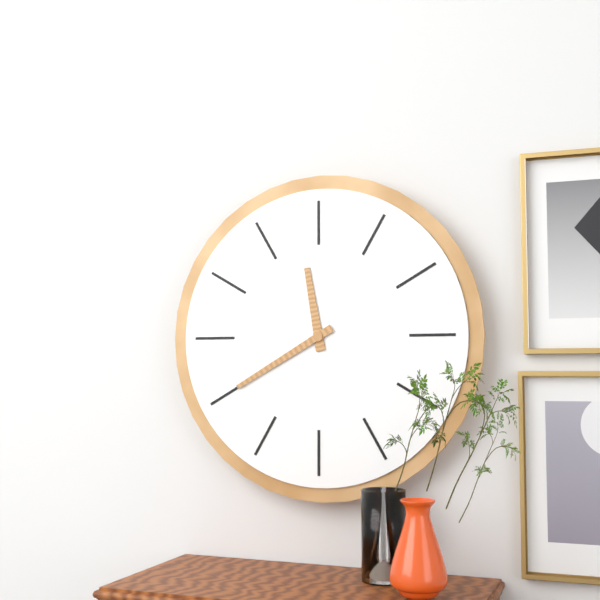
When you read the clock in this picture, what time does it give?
11:40
